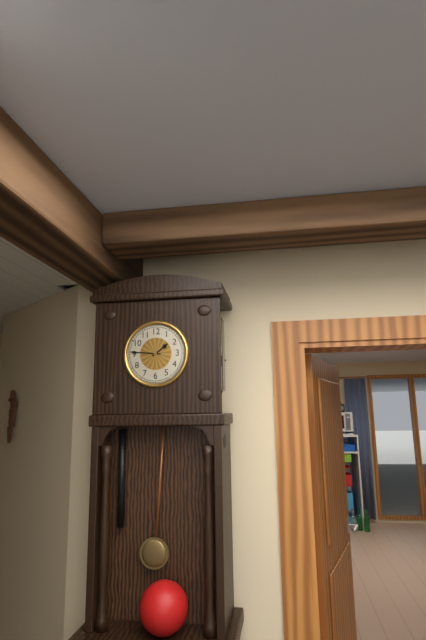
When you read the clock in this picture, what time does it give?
1:46
